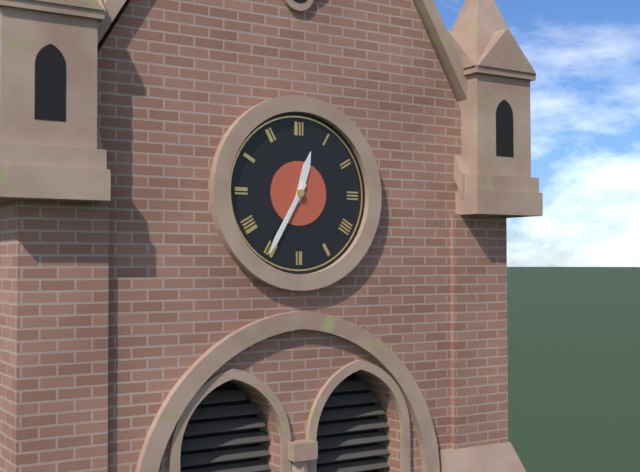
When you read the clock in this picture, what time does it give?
12:35
